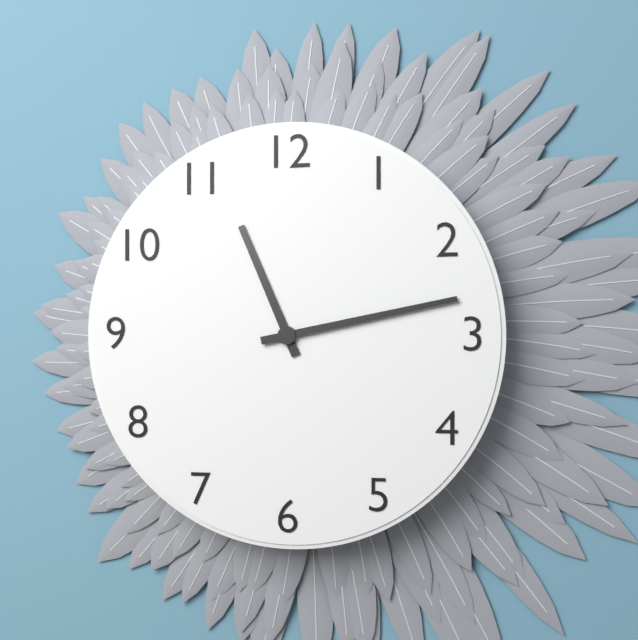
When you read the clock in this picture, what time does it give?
11:13
